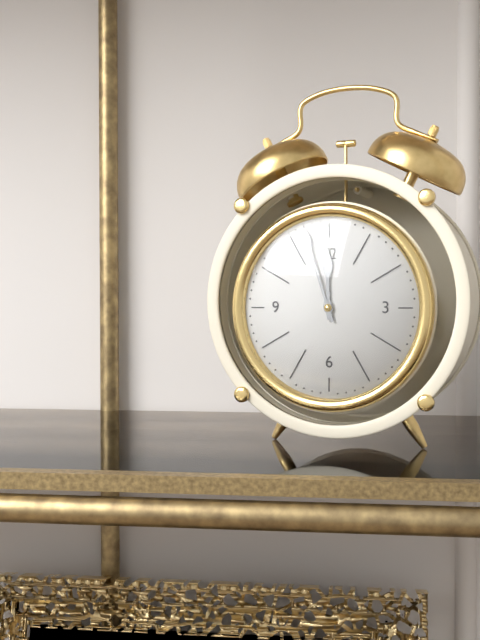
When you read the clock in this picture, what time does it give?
11:57
